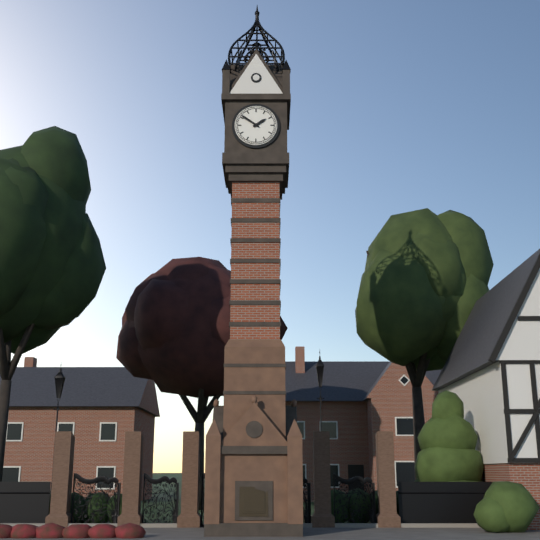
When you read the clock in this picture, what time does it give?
1:51
